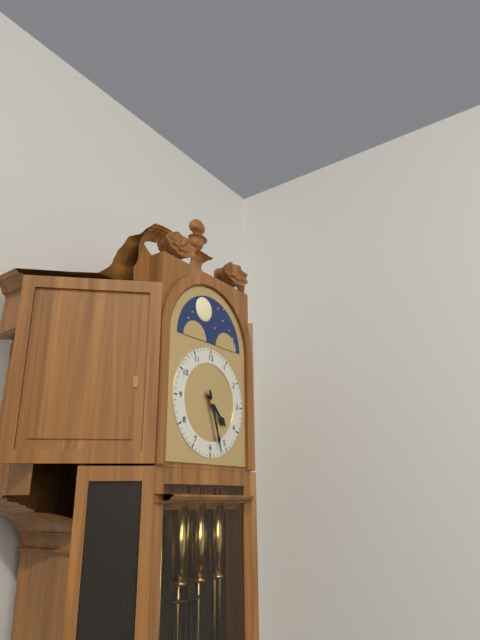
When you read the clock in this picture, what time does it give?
4:27
